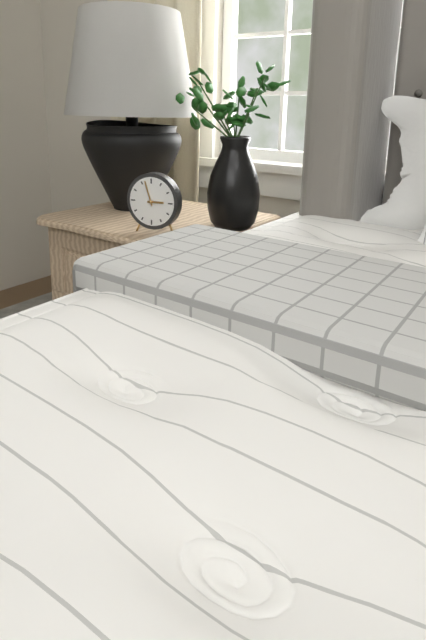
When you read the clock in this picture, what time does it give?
2:57
